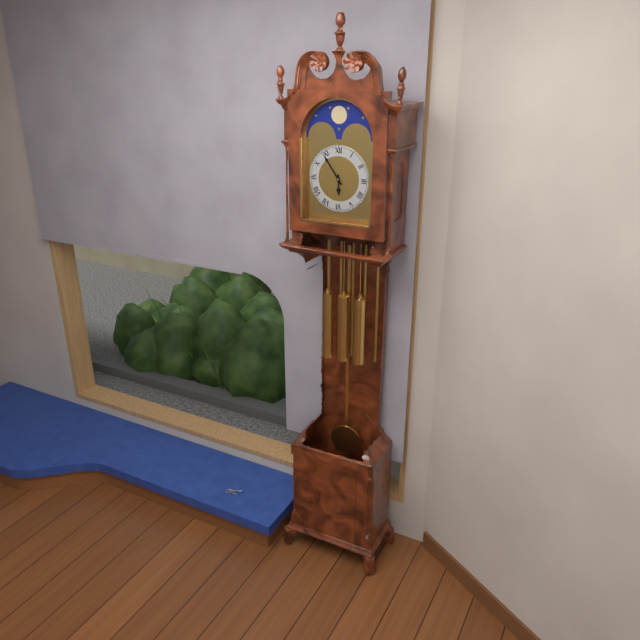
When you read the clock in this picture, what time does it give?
5:54
